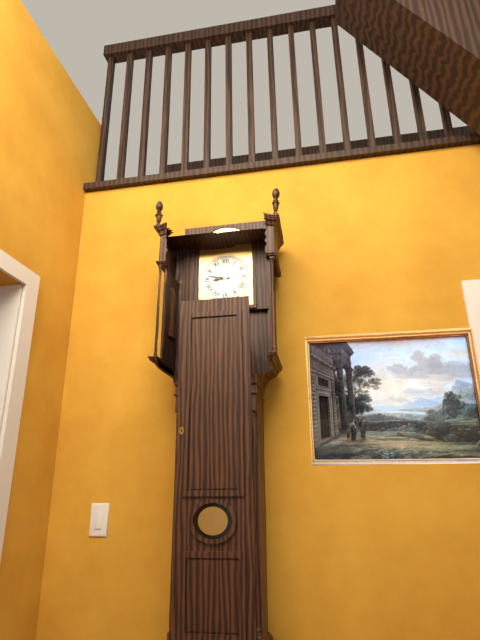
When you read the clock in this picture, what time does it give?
8:47
